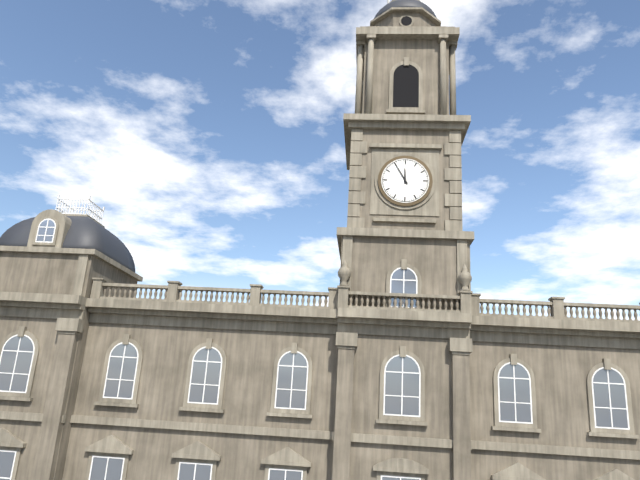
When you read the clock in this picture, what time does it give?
11:55
